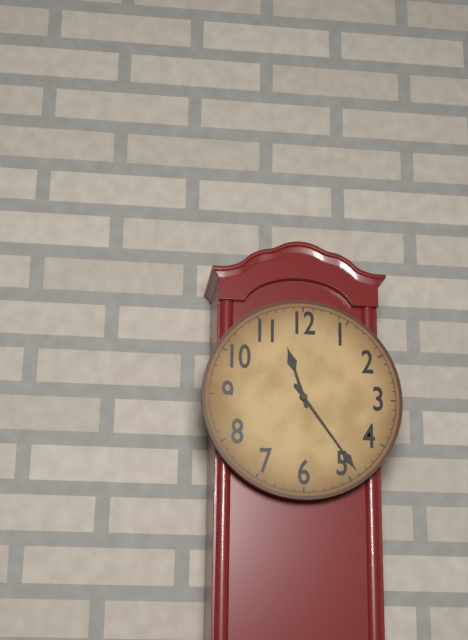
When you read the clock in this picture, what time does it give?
11:24
